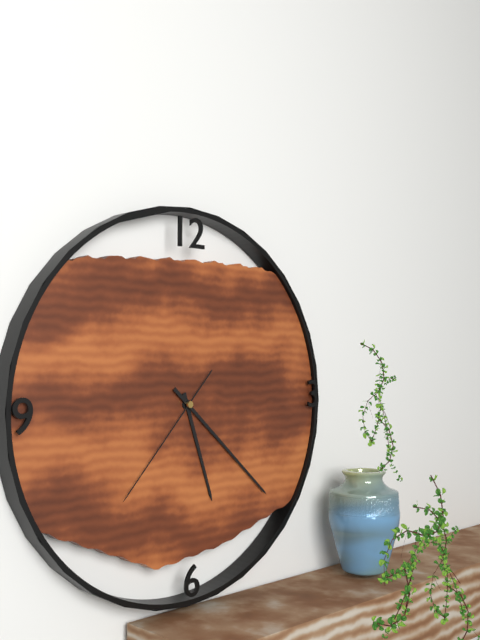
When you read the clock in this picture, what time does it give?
5:22:37
